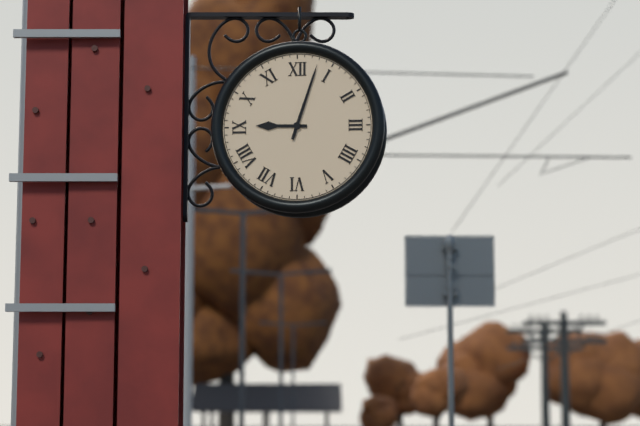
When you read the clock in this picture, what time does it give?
9:03
